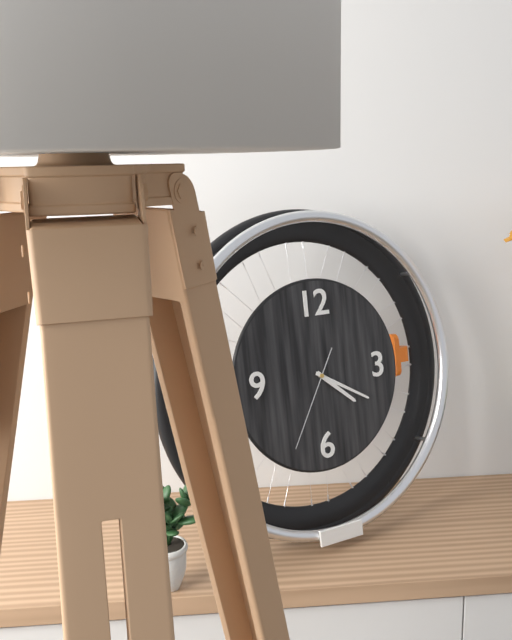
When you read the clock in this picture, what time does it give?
4:20:35
